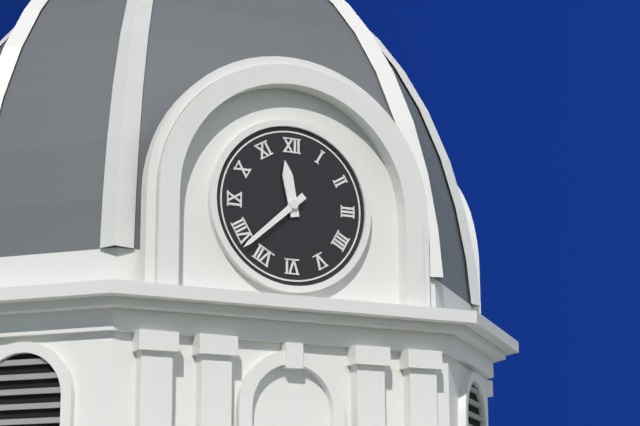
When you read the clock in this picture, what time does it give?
11:38
